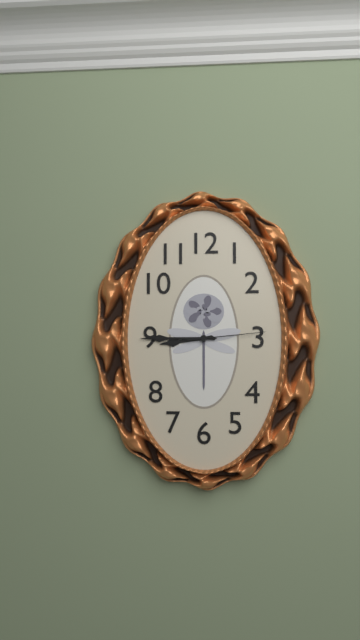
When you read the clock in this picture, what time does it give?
8:45:14
